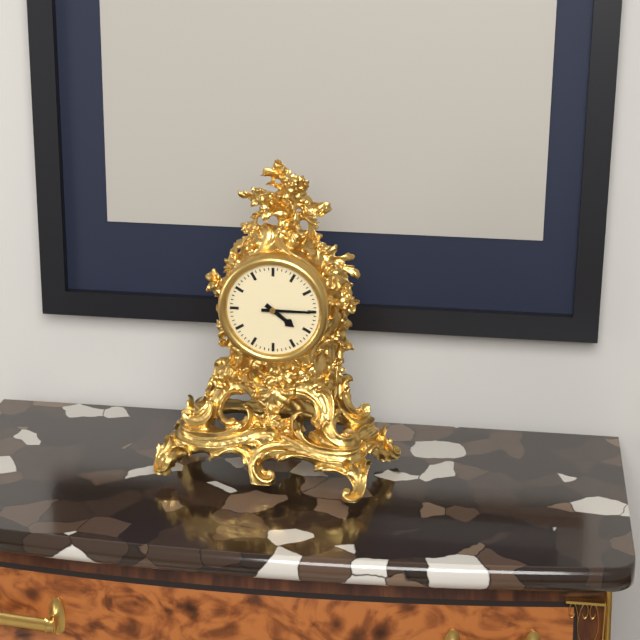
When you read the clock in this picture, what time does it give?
4:15
